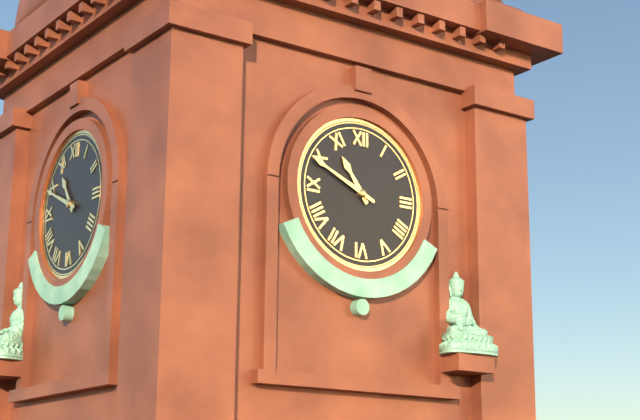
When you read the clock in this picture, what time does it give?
10:49
